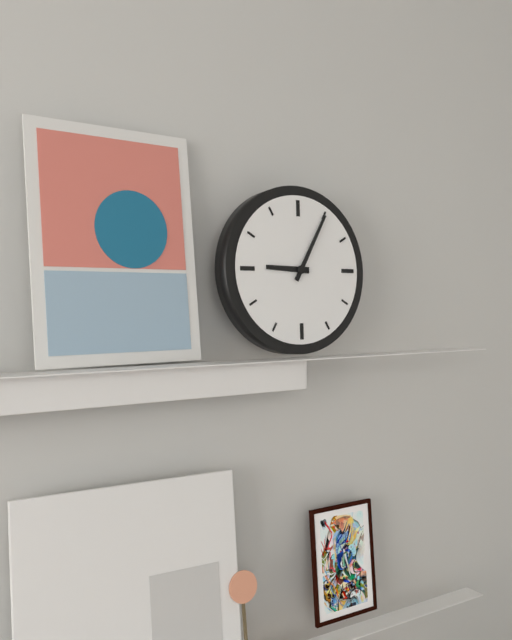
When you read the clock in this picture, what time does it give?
9:05
